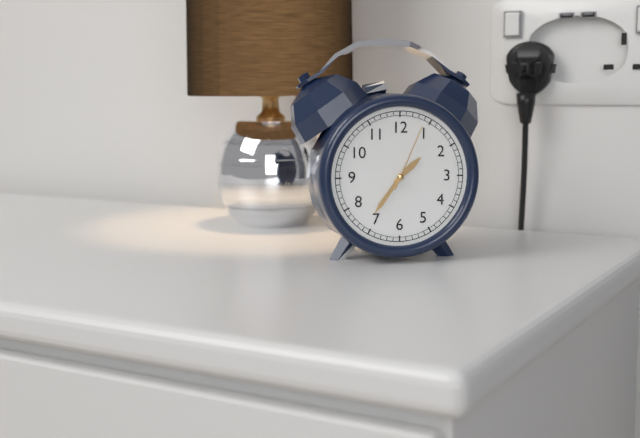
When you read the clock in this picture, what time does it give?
1:36:04
